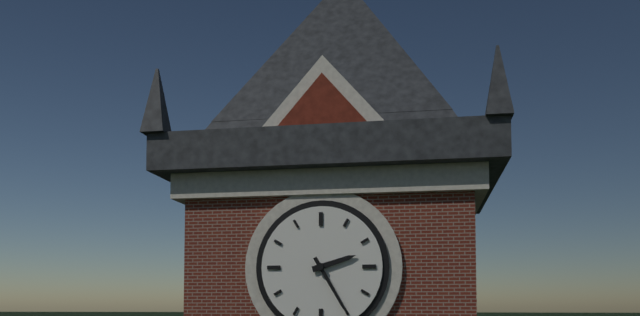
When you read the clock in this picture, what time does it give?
2:25
